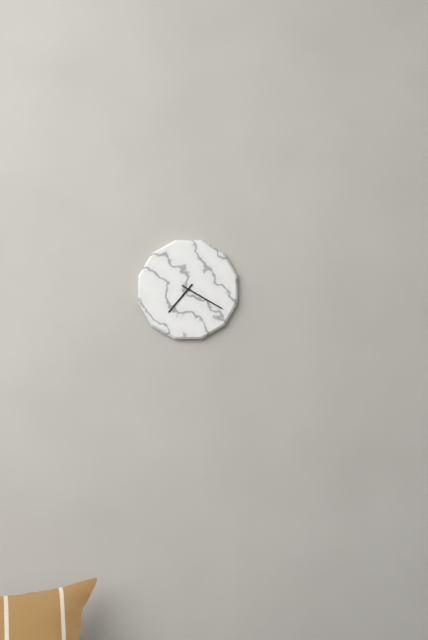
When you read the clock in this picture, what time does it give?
7:20
